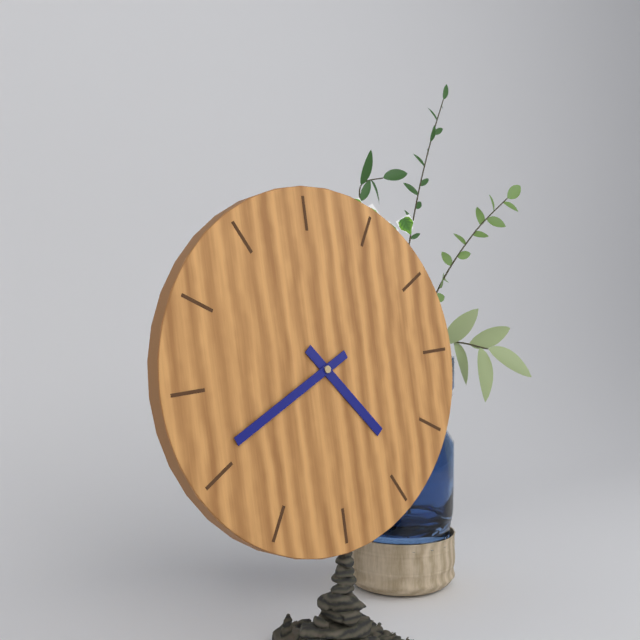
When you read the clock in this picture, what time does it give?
4:41
